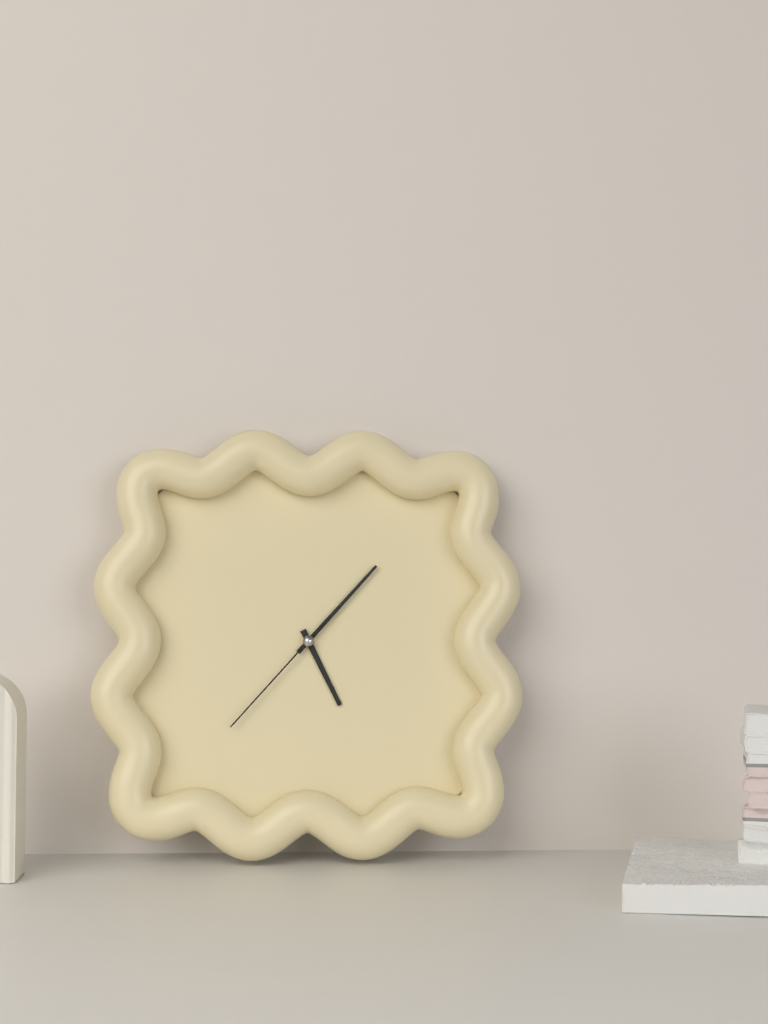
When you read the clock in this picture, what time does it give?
5:07:37
